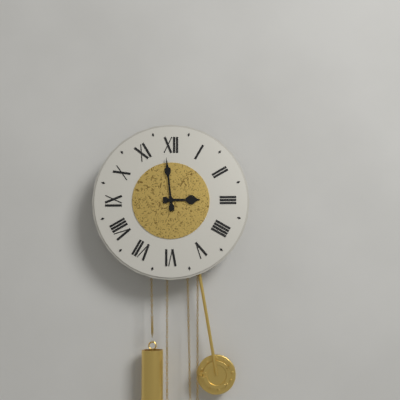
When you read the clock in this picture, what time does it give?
2:59
